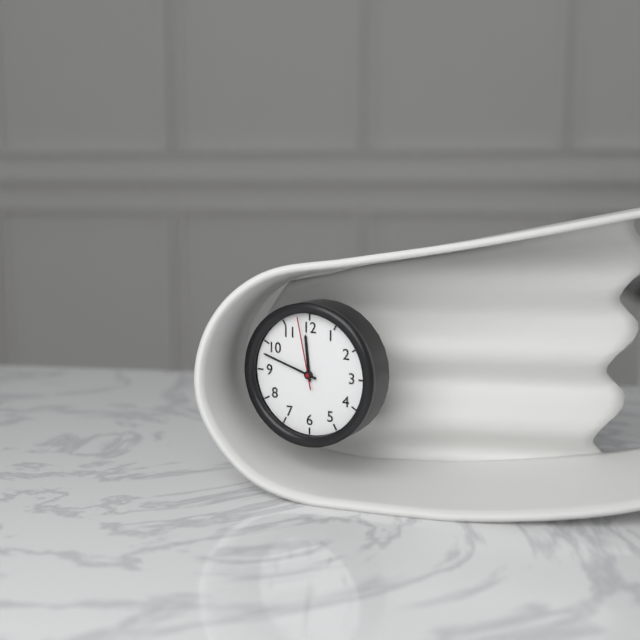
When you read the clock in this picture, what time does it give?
11:48:58
